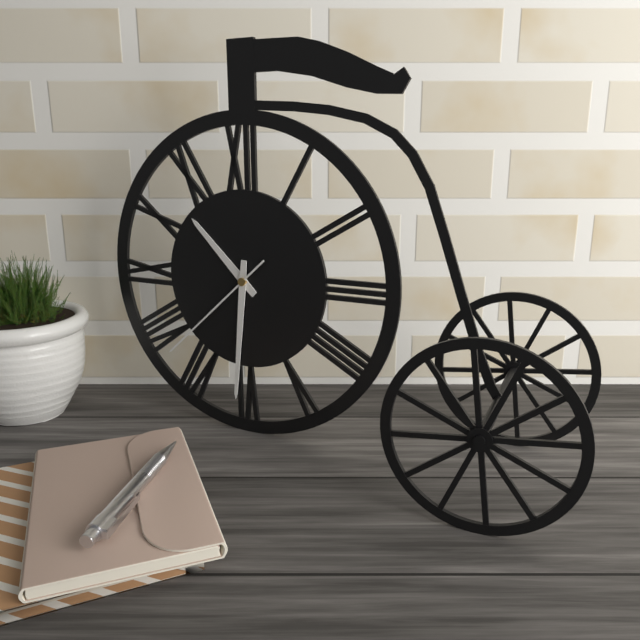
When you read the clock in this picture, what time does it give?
10:31:38
